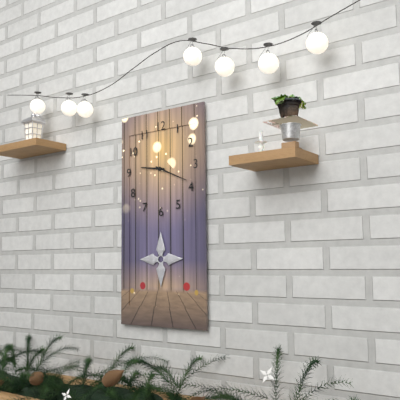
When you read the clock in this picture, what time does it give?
9:19
